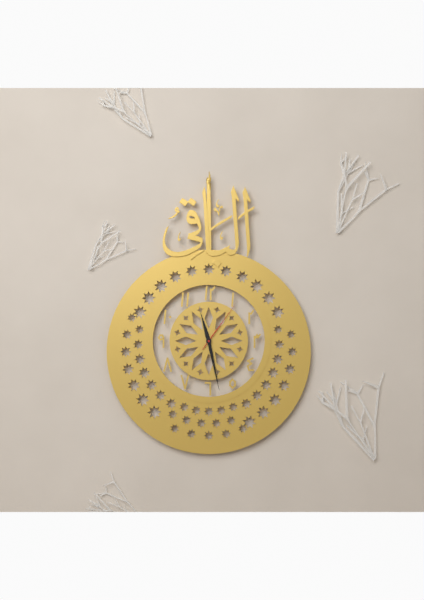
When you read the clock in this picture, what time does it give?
11:28:06
